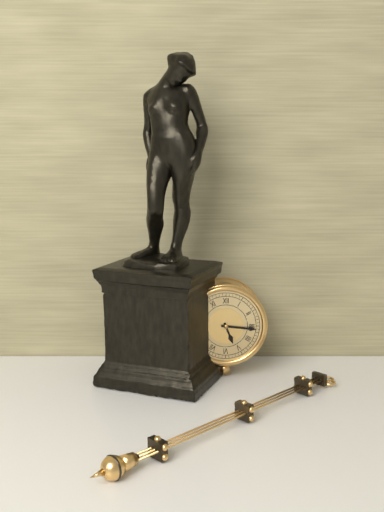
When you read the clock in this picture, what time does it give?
5:16
